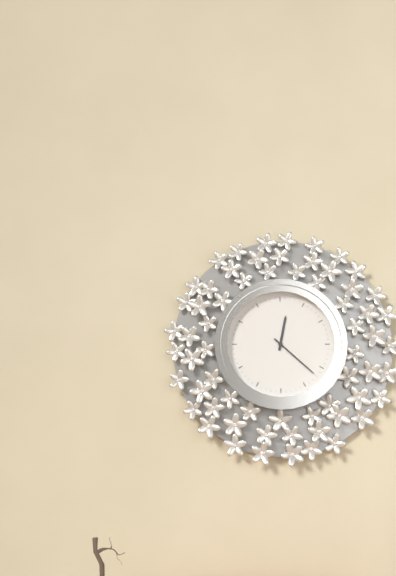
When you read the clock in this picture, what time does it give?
12:22
